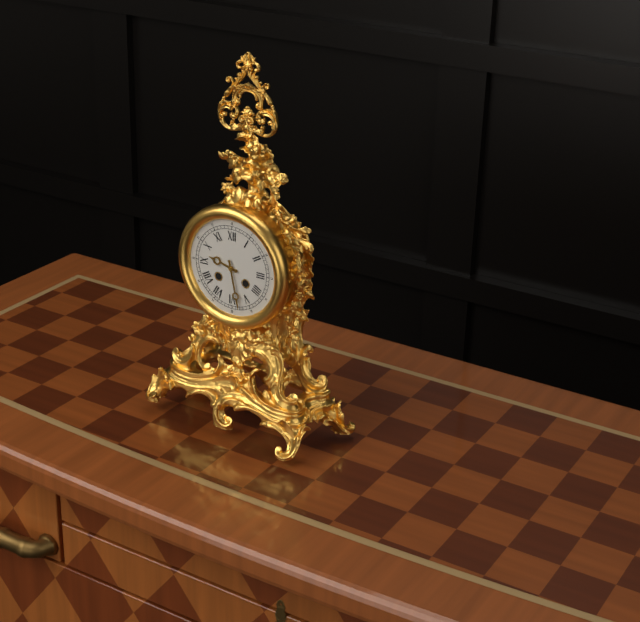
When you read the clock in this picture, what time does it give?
9:28
